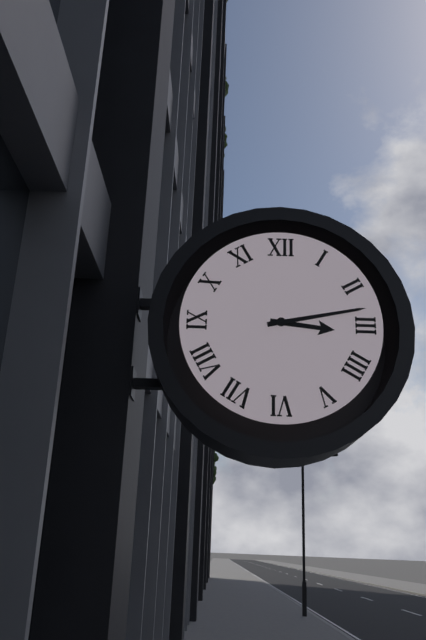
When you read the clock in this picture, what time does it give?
3:13
